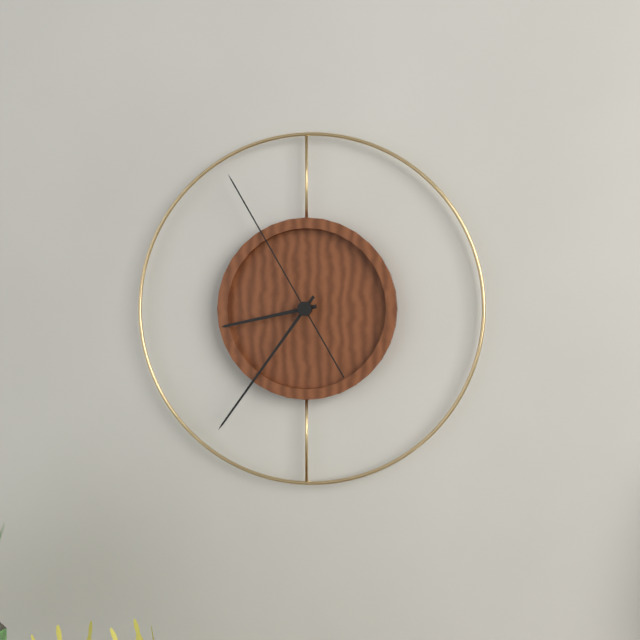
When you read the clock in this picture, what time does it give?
8:36:55
